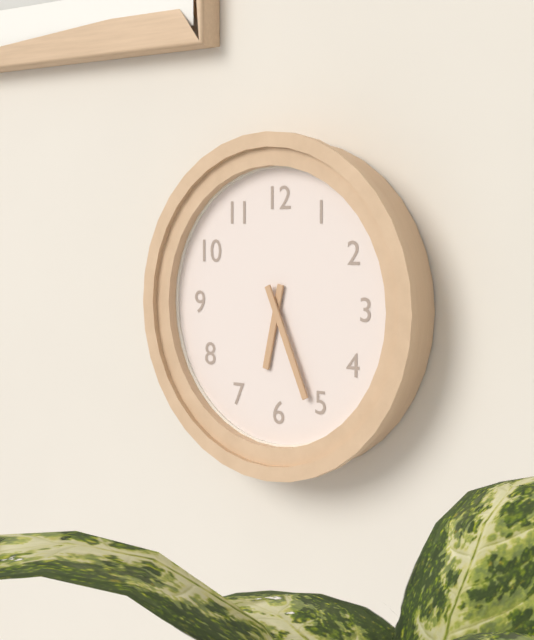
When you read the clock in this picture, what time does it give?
6:26
